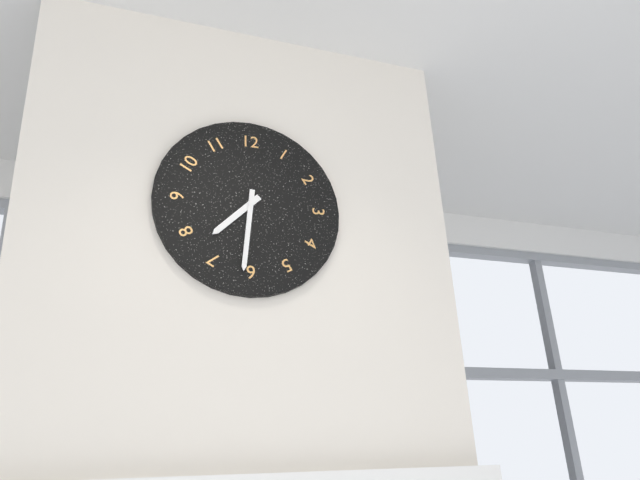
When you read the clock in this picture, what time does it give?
7:31
